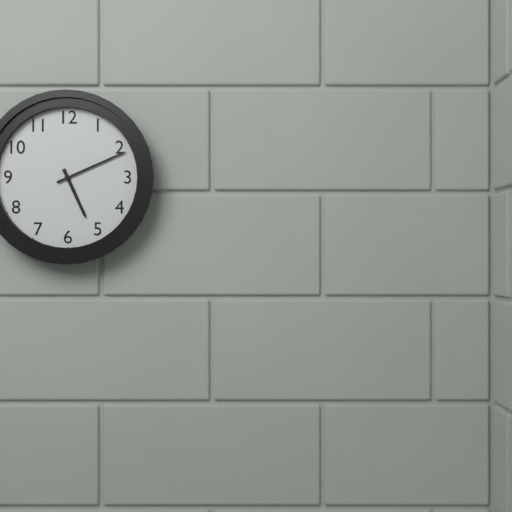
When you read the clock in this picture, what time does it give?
5:11
